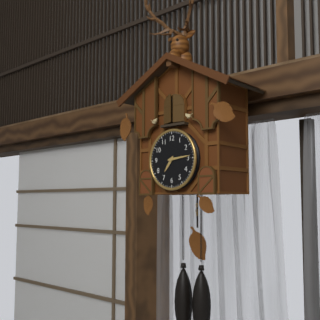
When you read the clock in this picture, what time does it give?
7:14
